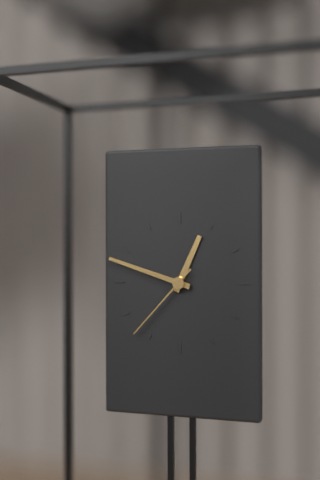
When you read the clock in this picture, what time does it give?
12:48:37
